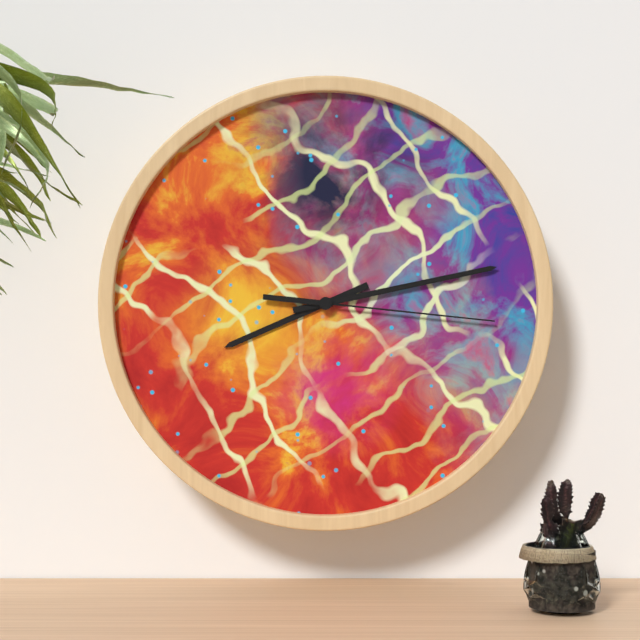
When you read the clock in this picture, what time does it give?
8:13:16
